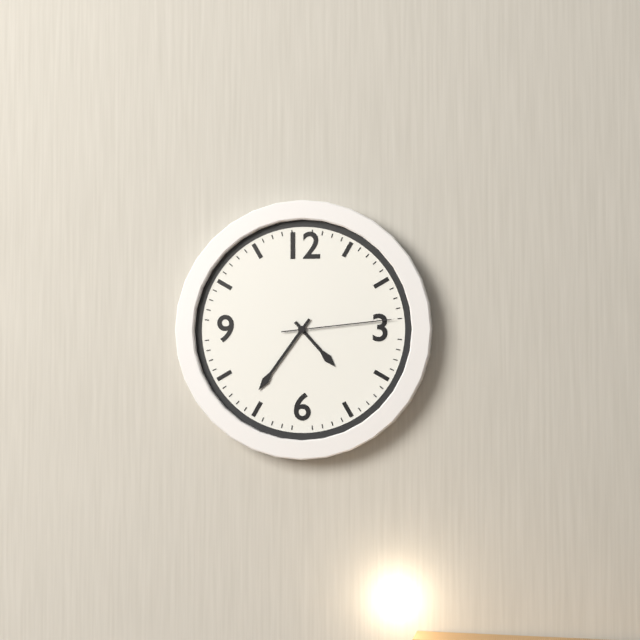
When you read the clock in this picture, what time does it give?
4:36:14
